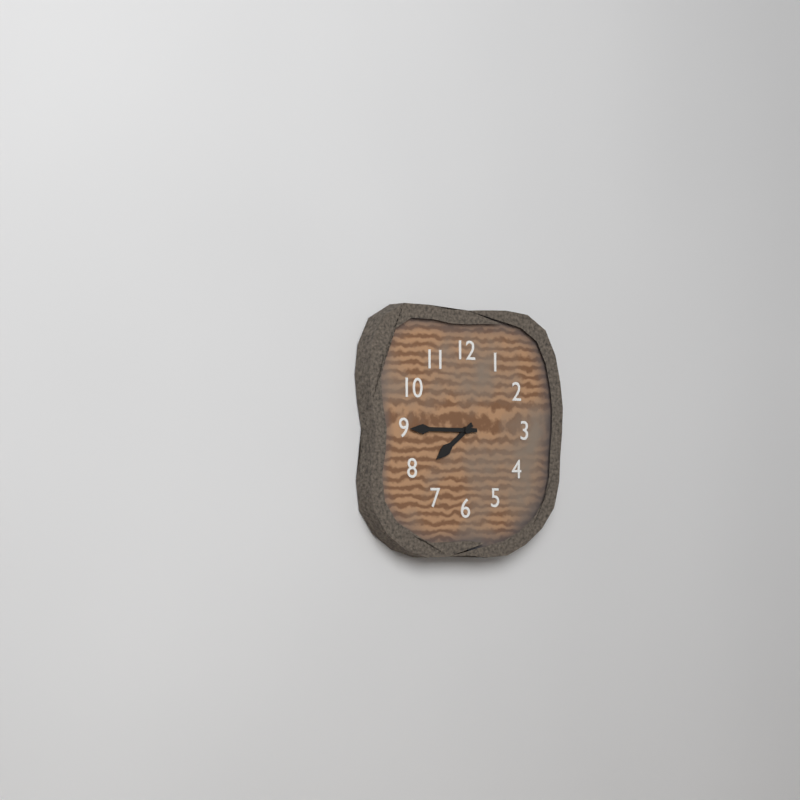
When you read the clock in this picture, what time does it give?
7:45
